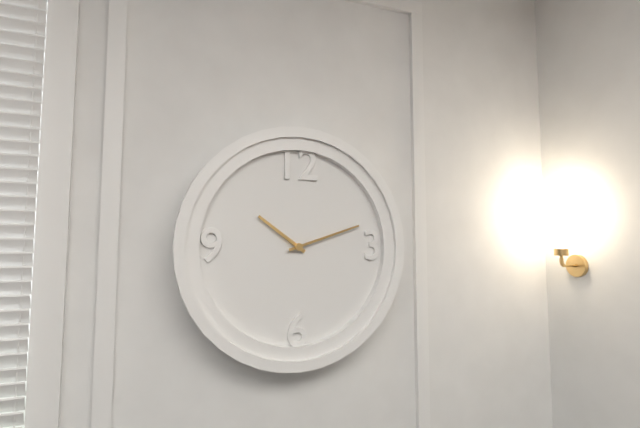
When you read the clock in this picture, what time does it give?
10:12
